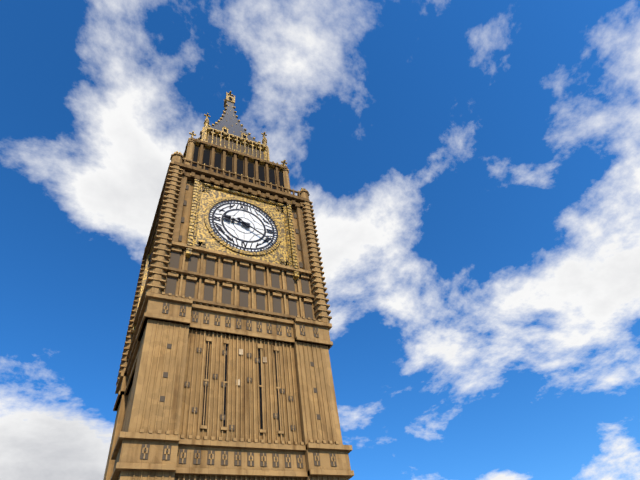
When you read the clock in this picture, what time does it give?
9:20
